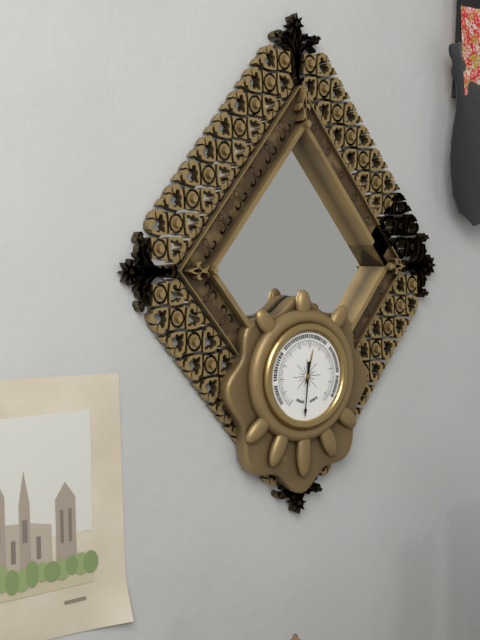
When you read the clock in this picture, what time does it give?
12:31
